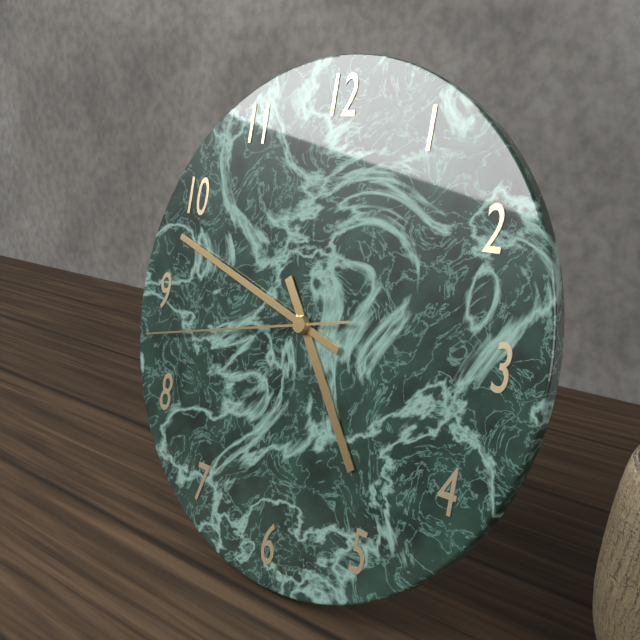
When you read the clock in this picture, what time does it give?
4:48:43
